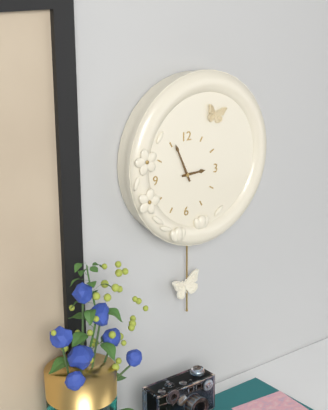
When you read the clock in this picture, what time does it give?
2:56
